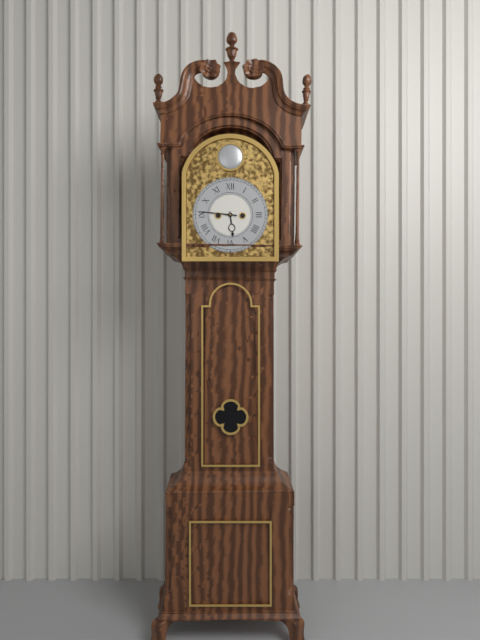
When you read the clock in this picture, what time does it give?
5:46
